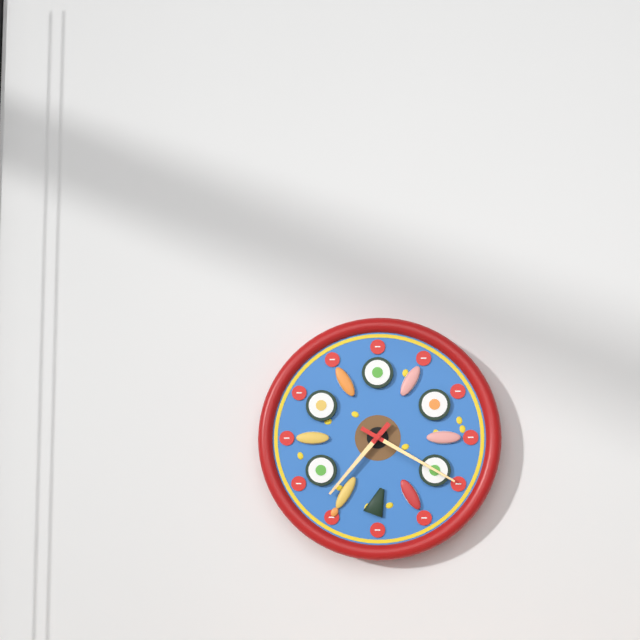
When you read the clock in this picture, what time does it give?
7:20
